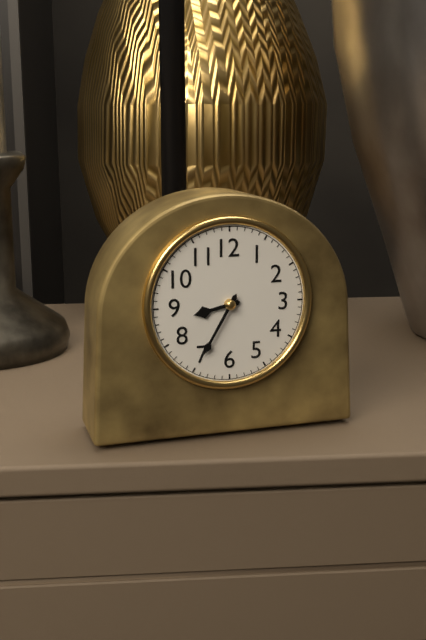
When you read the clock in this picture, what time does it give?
8:35
